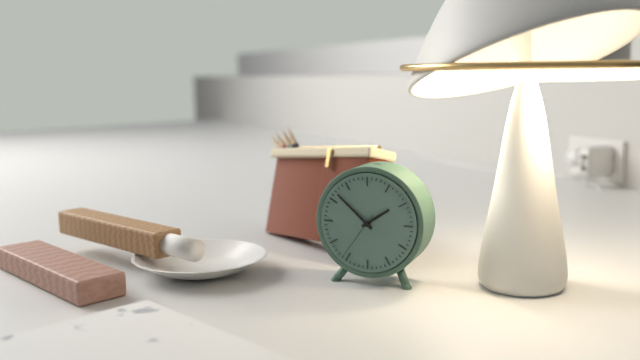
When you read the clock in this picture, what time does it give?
1:52:36
